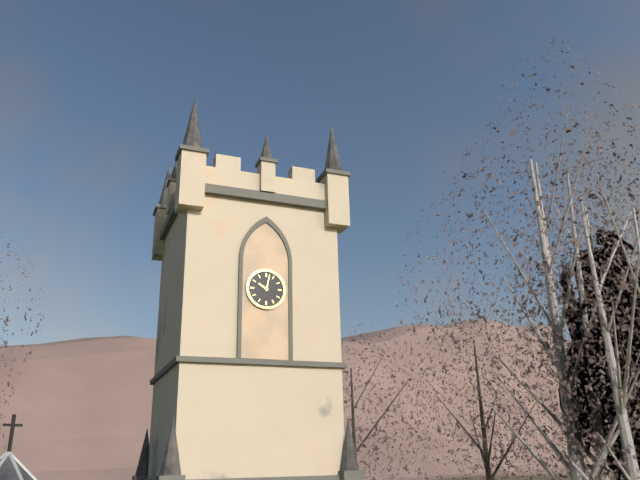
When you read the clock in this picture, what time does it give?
10:02
